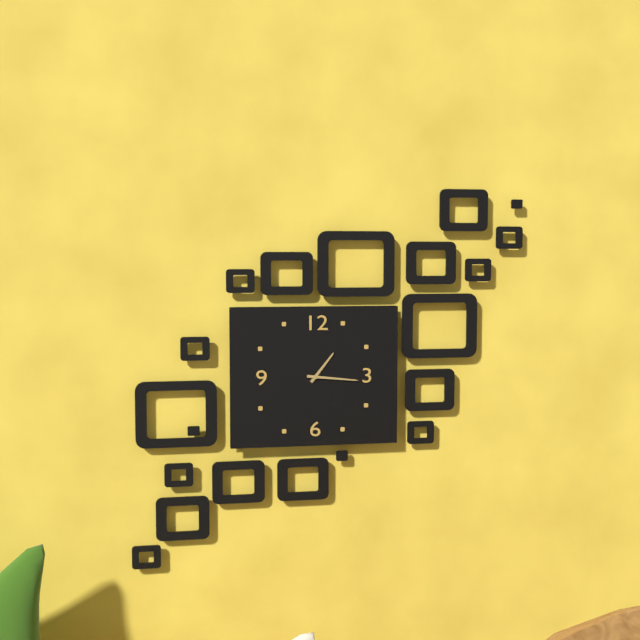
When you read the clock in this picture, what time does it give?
1:16
